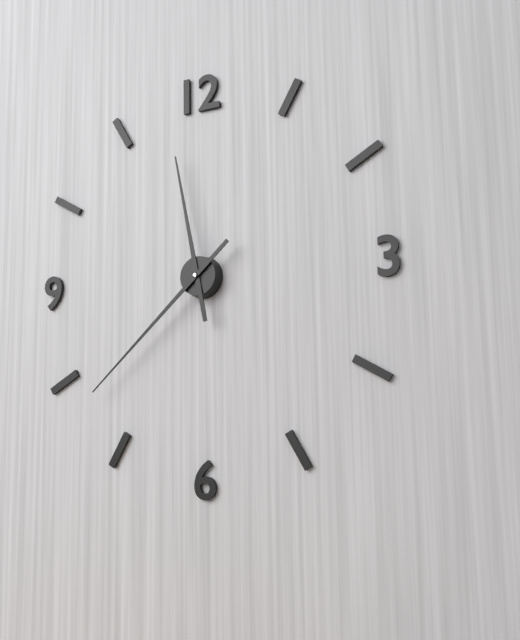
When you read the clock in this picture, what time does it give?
11:38
